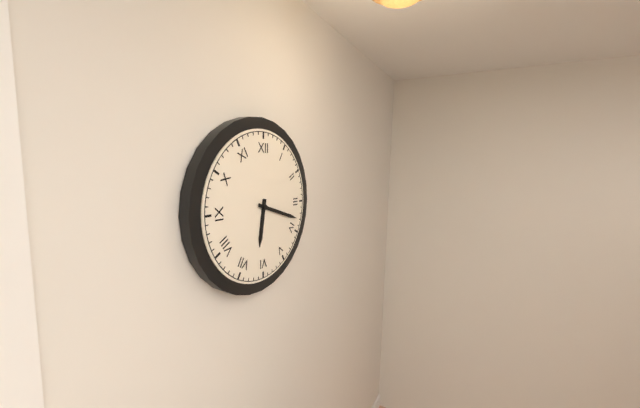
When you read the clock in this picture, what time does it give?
6:18
